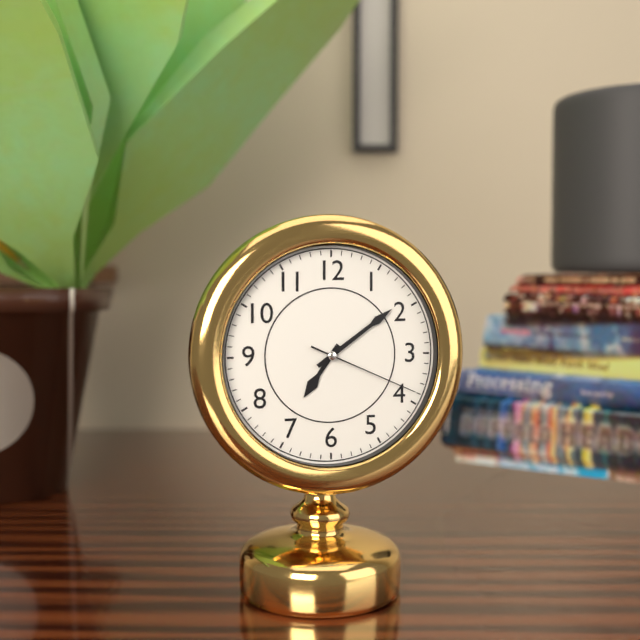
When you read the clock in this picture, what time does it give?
7:09:19
